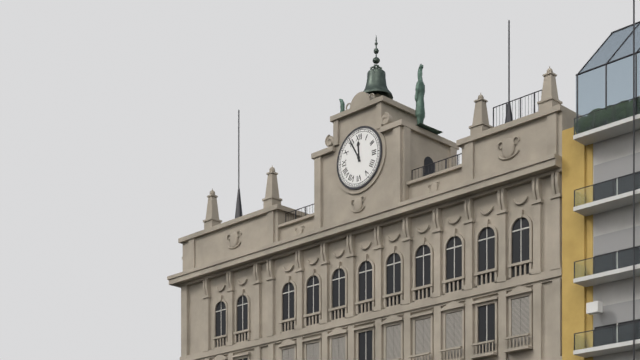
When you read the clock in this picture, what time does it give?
11:55
